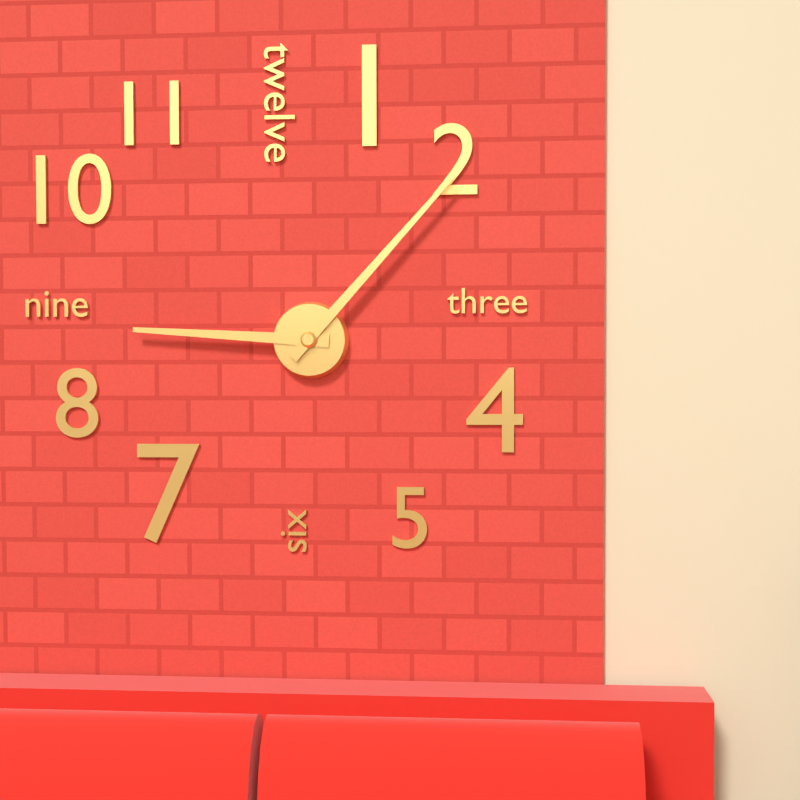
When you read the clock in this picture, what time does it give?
9:07
